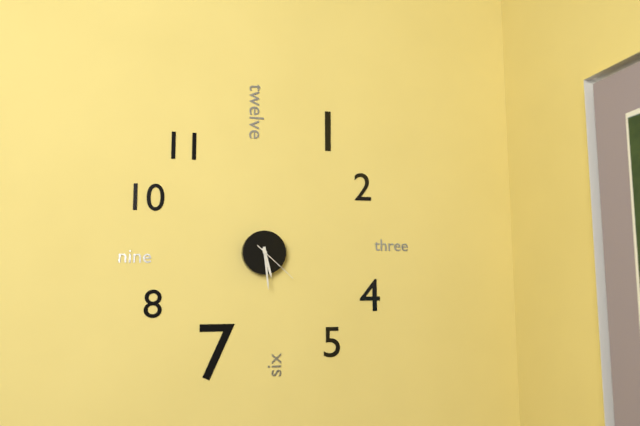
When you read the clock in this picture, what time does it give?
5:29
